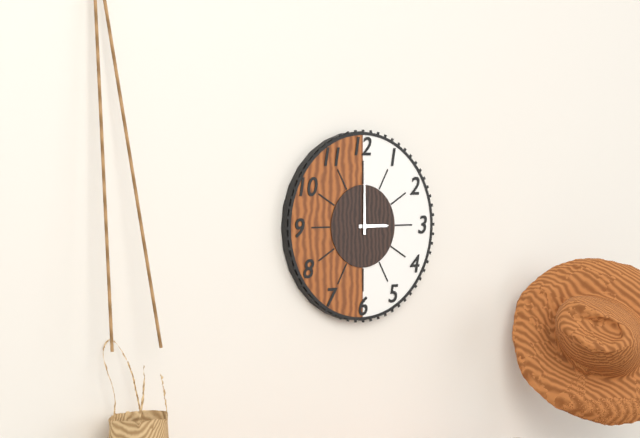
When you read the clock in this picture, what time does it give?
3:00
